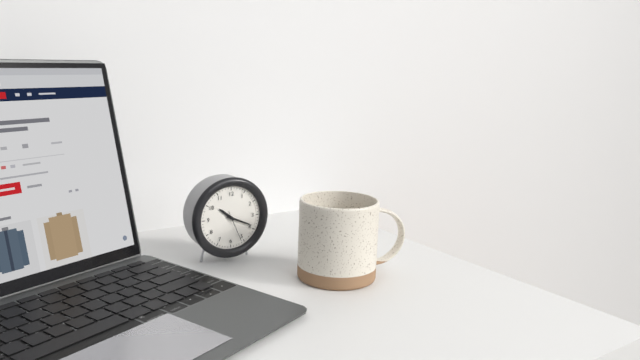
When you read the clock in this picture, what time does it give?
10:19
